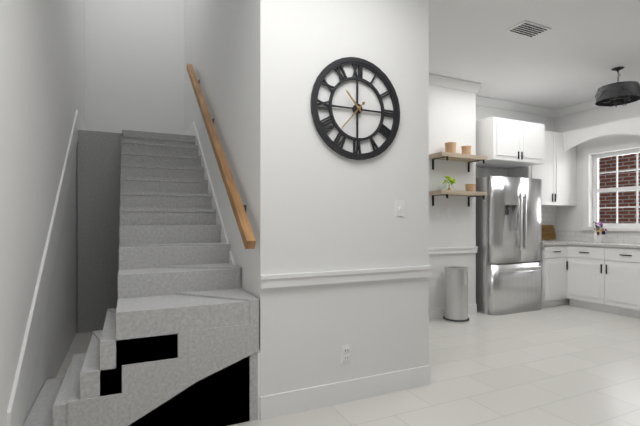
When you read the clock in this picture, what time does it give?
10:37
